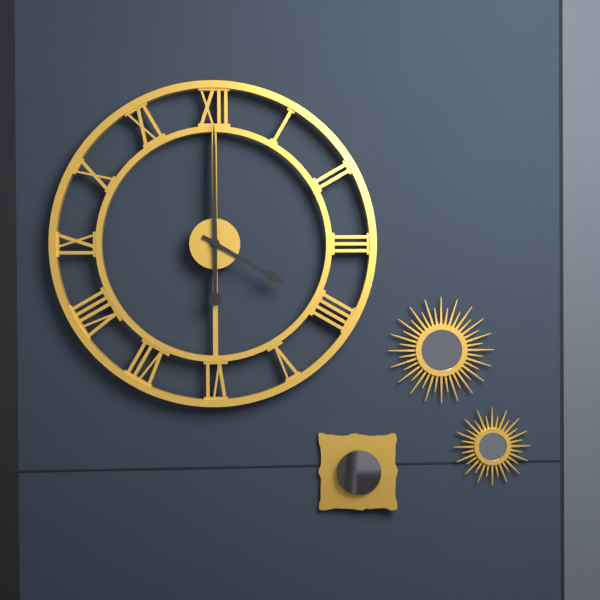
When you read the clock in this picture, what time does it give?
4:00
